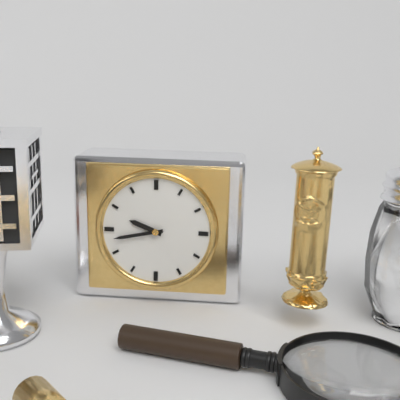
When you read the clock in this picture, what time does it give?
9:43
